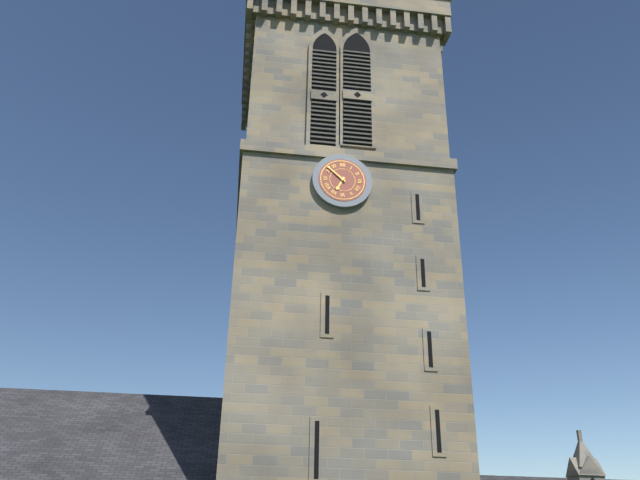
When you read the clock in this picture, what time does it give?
6:52
